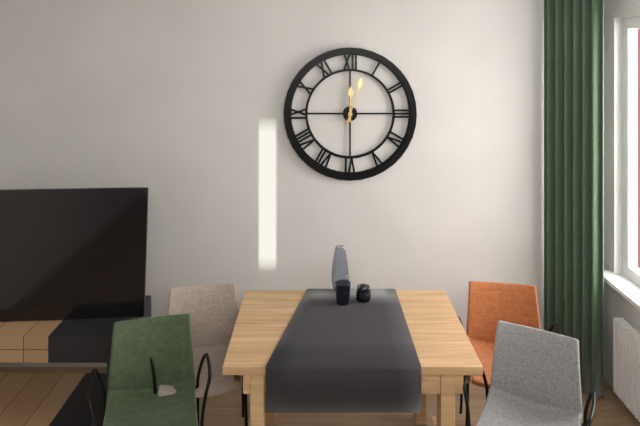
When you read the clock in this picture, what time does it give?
12:03
